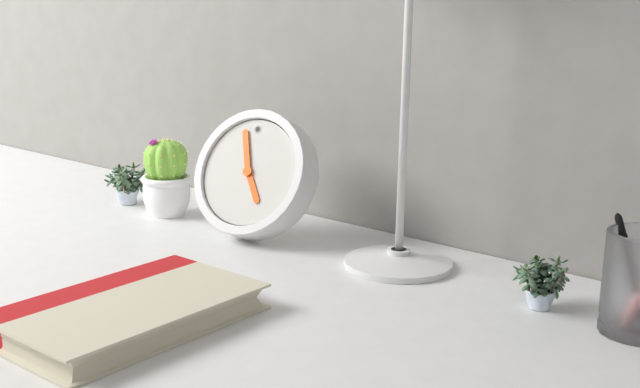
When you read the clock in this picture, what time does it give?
4:57
